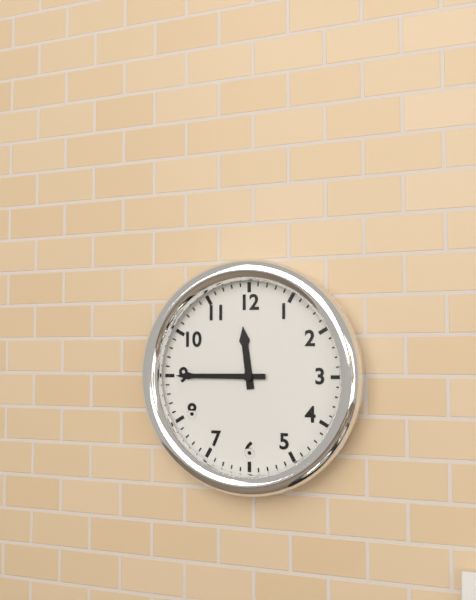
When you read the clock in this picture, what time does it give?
11:45
